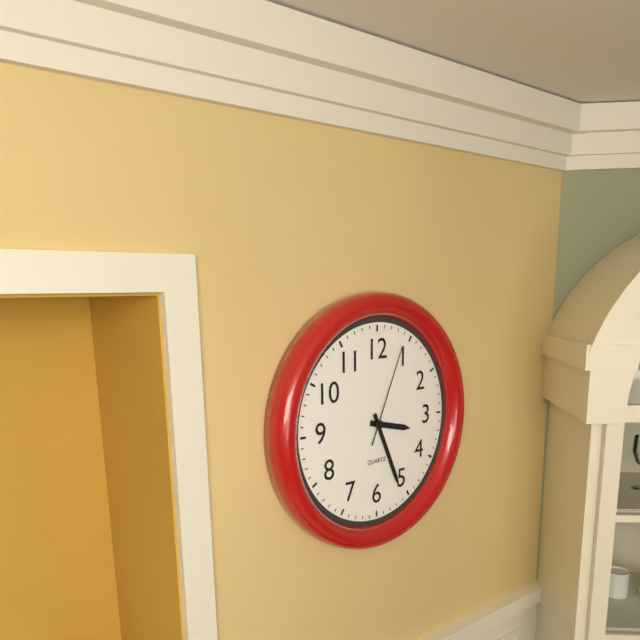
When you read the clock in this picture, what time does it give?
3:26:04
